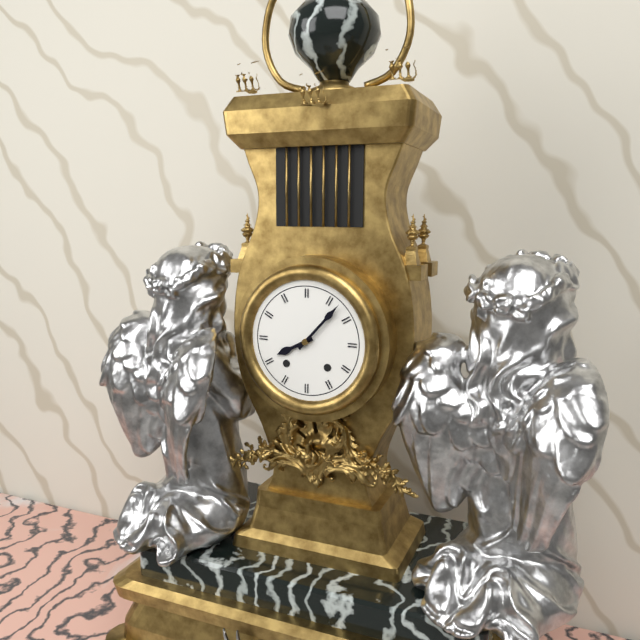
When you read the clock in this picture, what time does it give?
8:07
